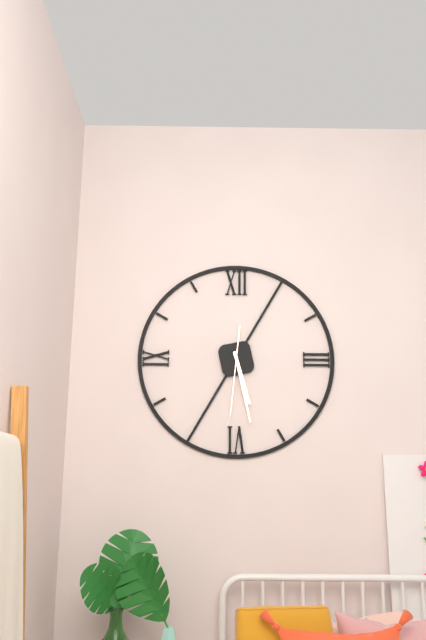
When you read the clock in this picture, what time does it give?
5:28:31
